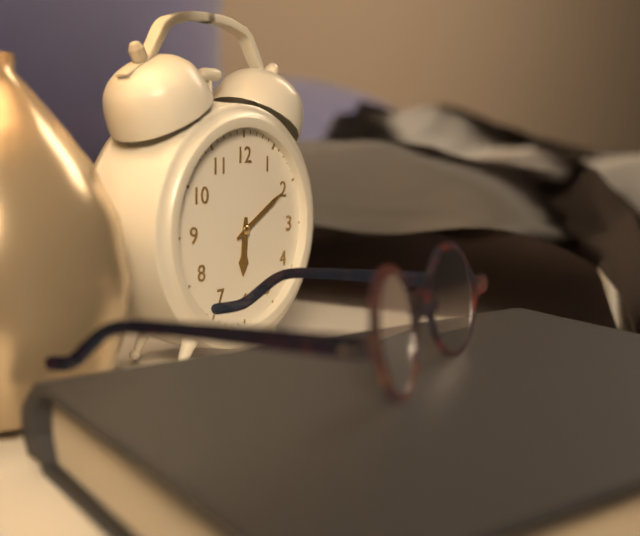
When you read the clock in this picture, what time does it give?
6:10
